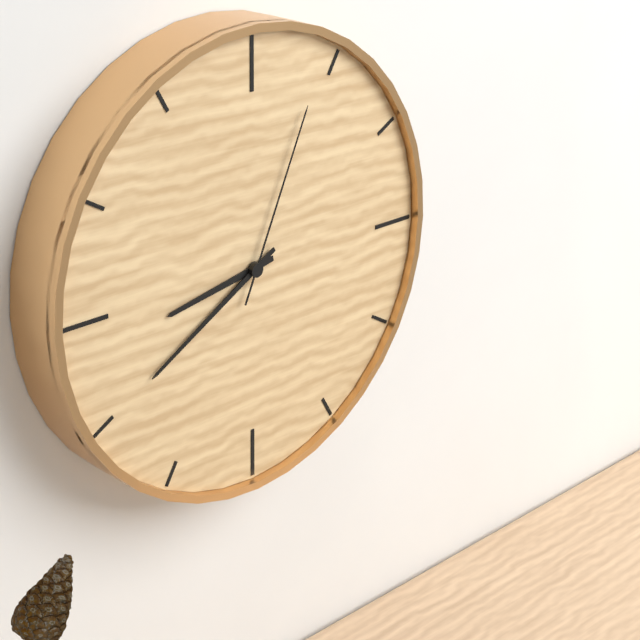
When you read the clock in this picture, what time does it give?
8:40:04
